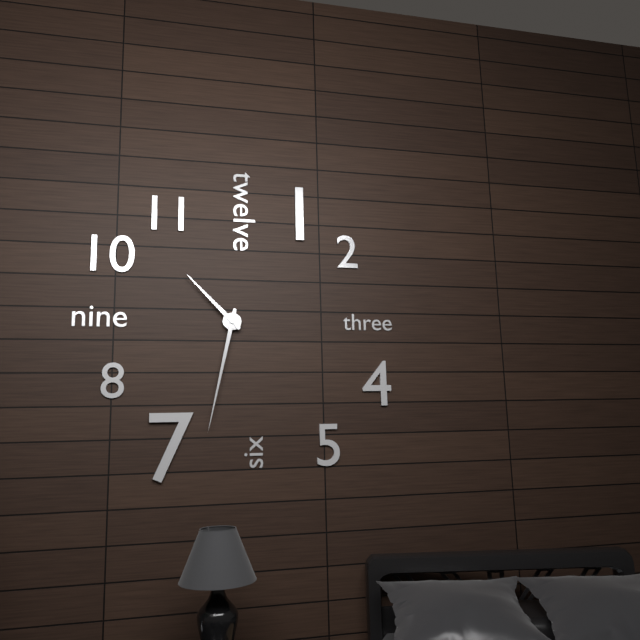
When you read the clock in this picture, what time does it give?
10:32
